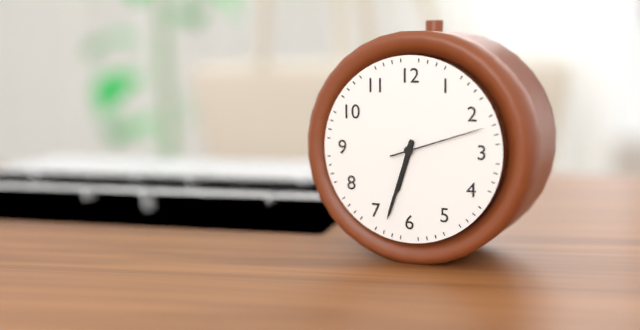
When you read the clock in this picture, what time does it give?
6:33:12
